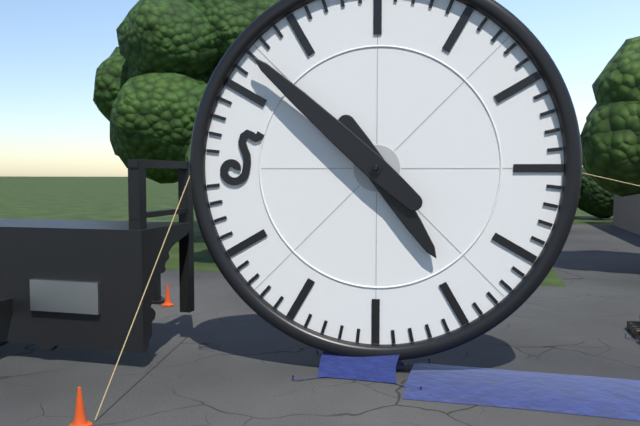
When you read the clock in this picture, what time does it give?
4:52
